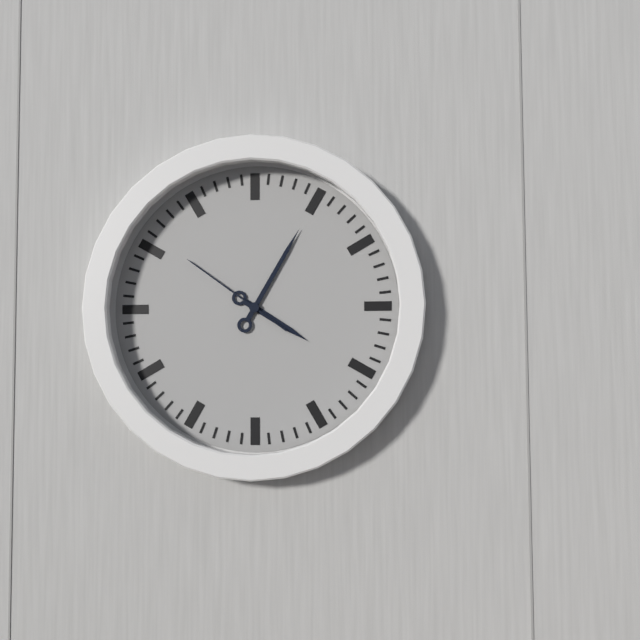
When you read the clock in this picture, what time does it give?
4:05:51
